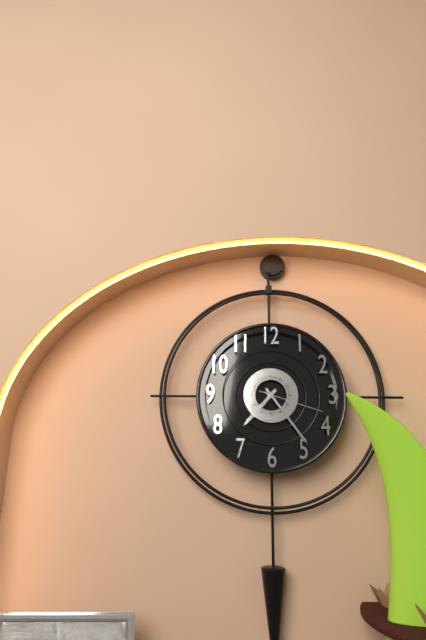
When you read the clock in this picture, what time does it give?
7:24:18
